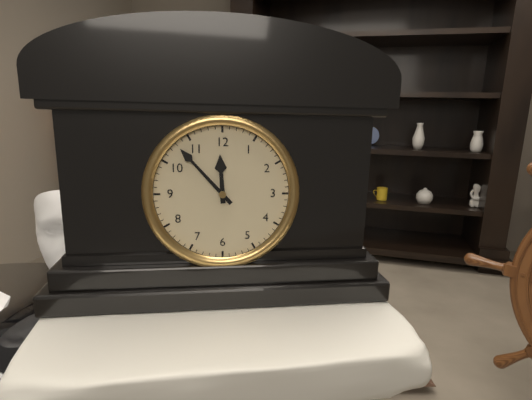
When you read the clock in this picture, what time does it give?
11:53
